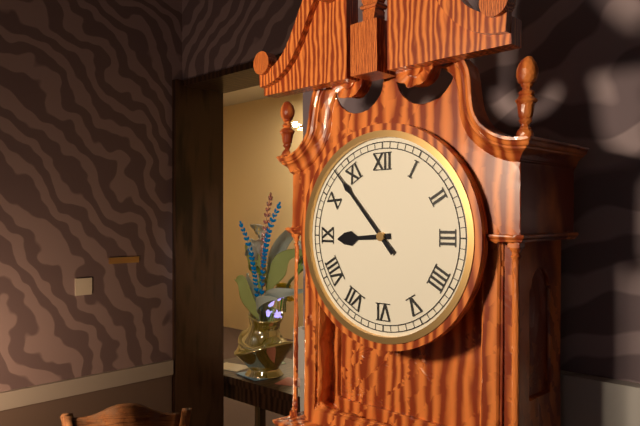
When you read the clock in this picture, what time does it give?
8:53
